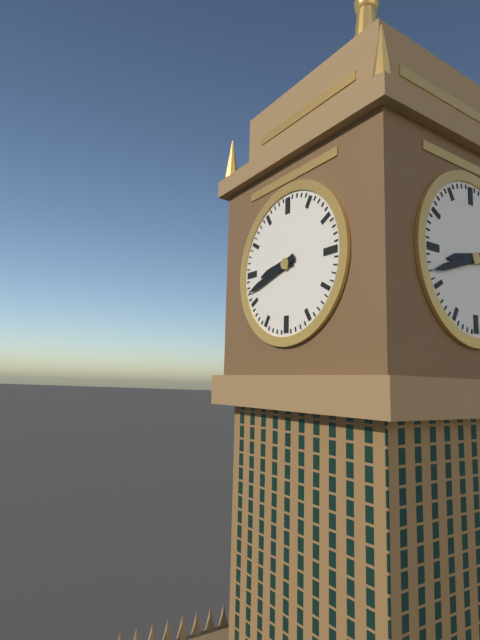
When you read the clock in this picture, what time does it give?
8:42
